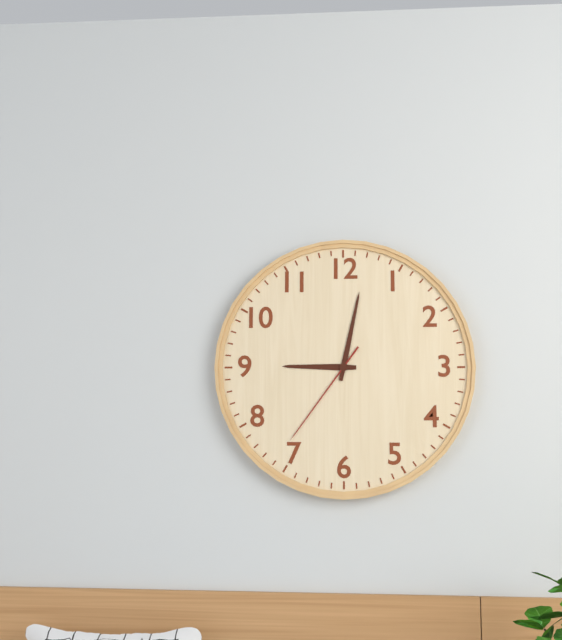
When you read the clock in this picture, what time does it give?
9:02:36
